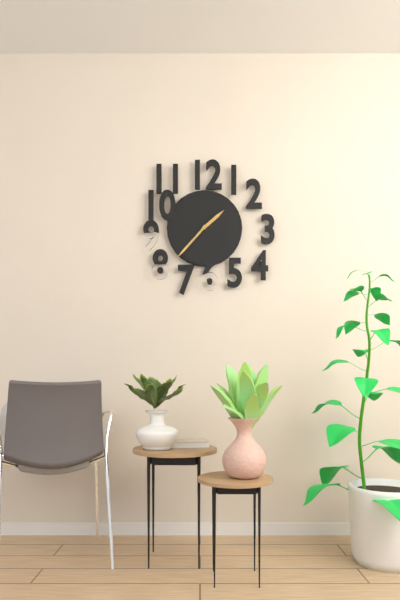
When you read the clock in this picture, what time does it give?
1:37:37
